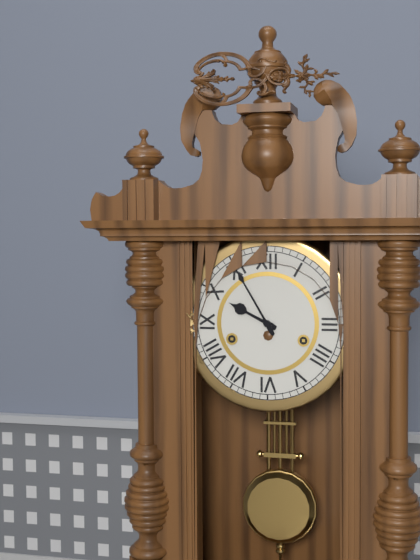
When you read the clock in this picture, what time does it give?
9:55
